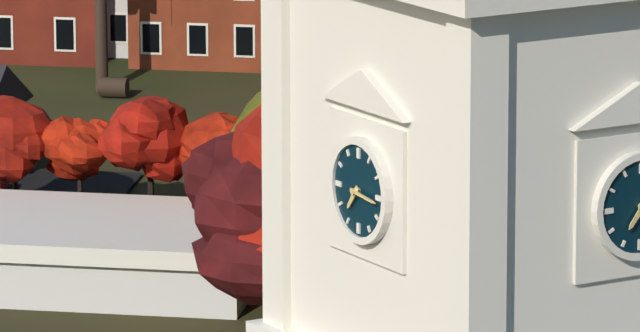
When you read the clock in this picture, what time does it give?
7:16
